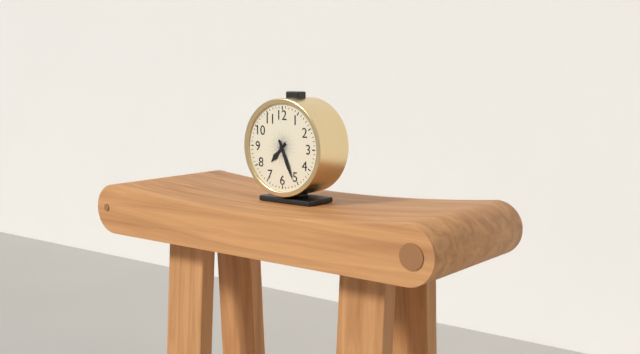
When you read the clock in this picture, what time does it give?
7:26
